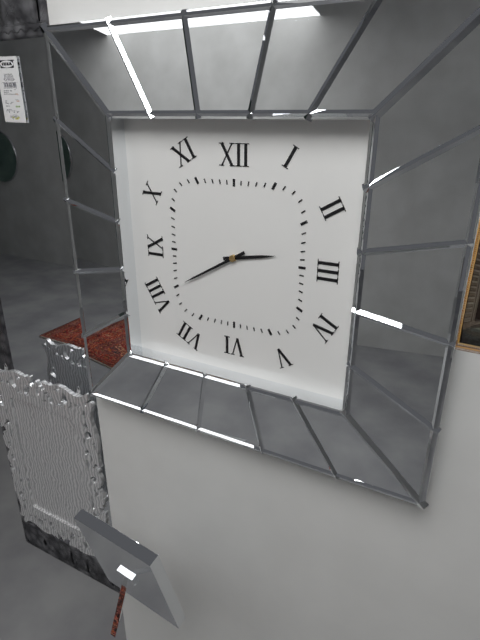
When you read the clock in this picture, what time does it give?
2:40
